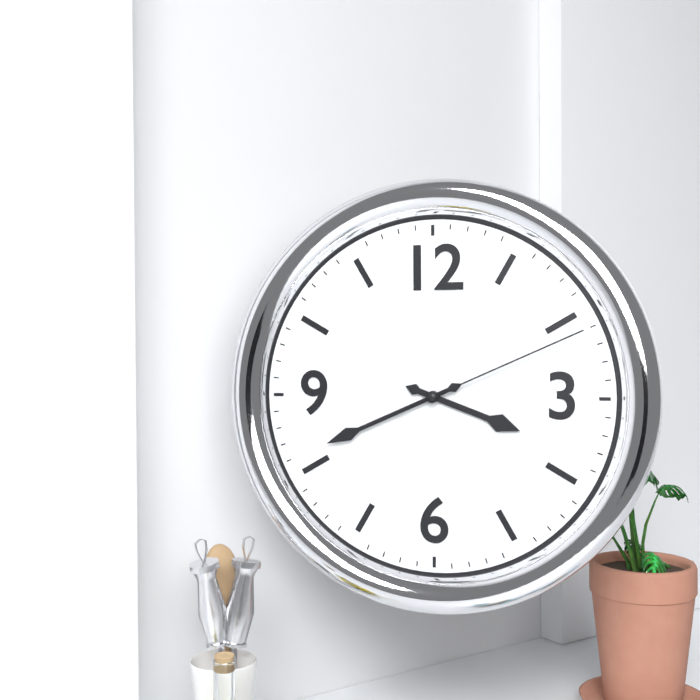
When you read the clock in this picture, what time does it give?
3:41:11
